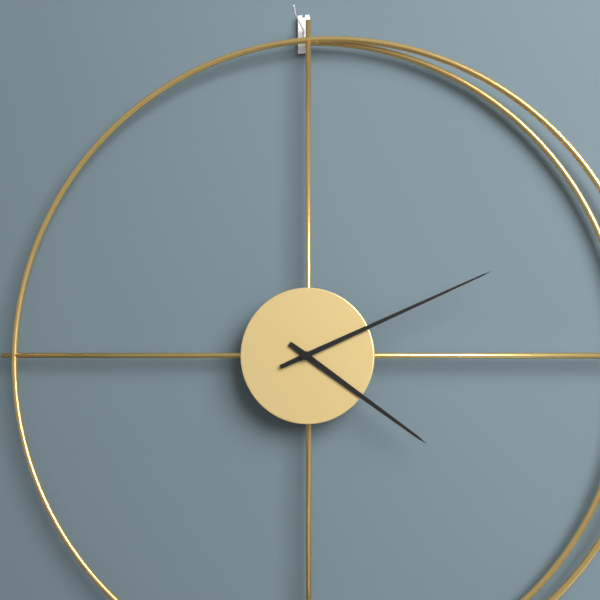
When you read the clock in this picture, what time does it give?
4:11
